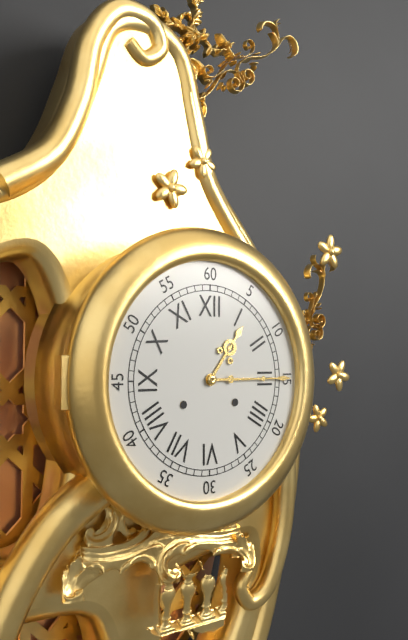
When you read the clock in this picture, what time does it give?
1:15
